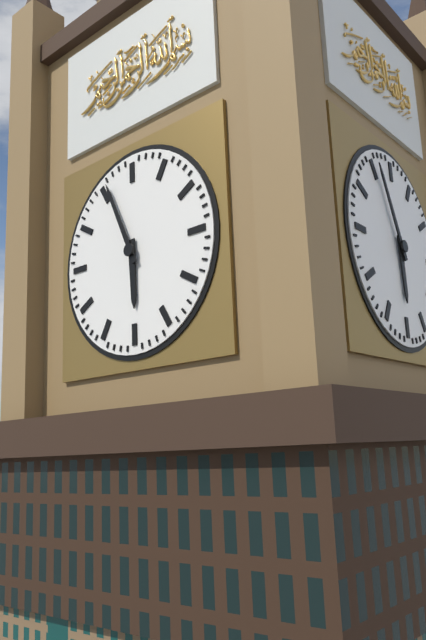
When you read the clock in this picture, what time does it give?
5:56
